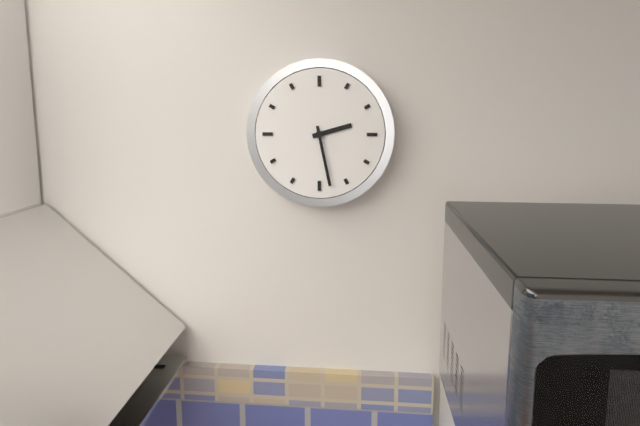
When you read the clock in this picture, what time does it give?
2:28
